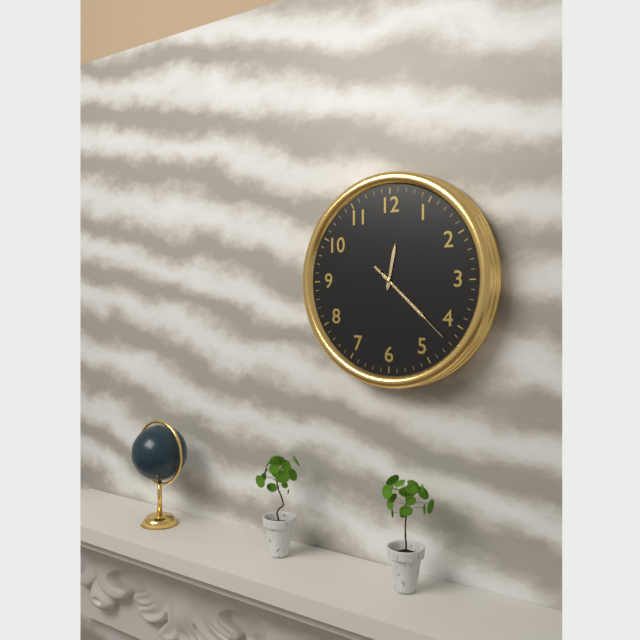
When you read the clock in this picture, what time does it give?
12:22:22
